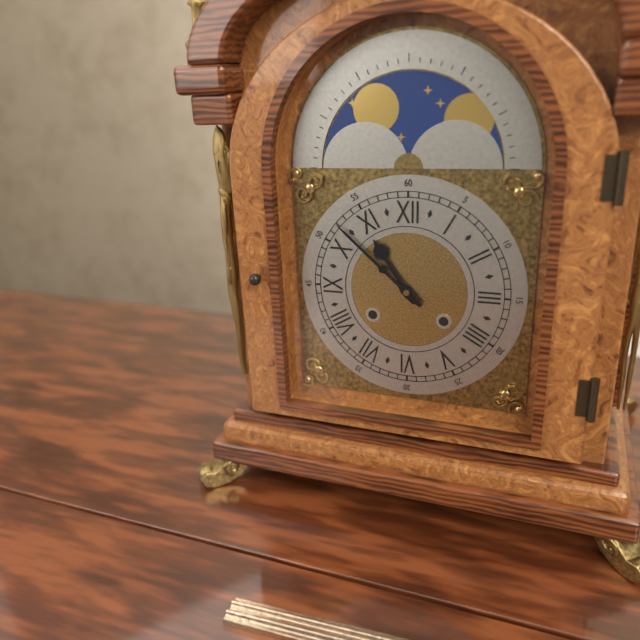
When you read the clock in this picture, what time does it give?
10:52
